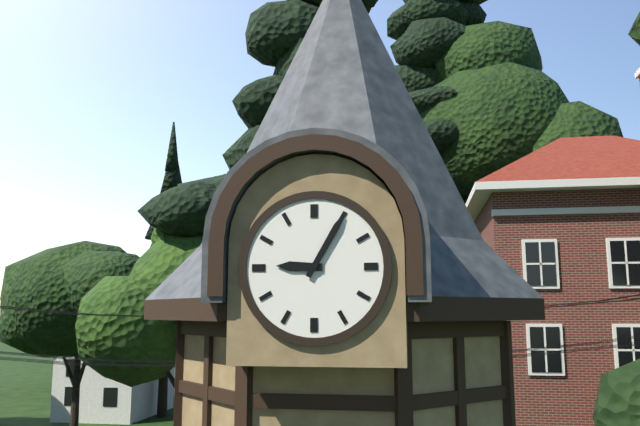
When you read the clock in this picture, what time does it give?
9:05
